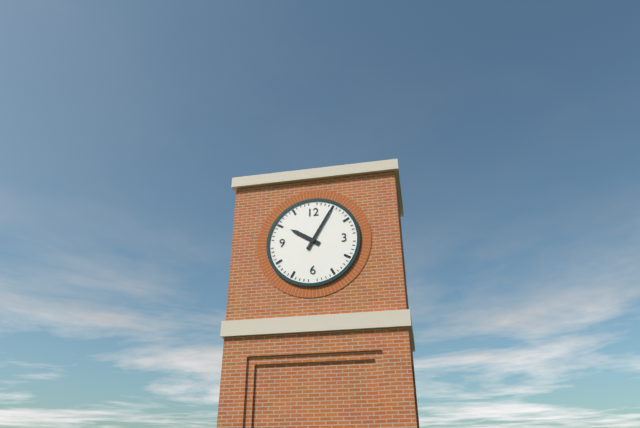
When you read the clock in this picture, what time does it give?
10:05
